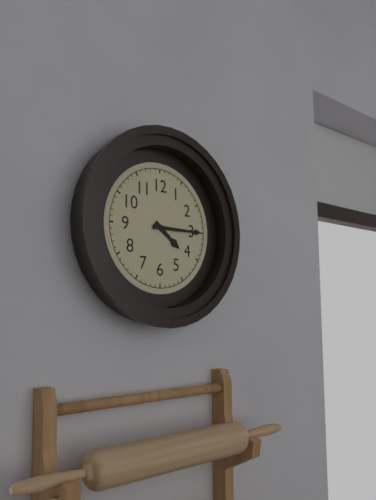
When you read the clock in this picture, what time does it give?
4:15
